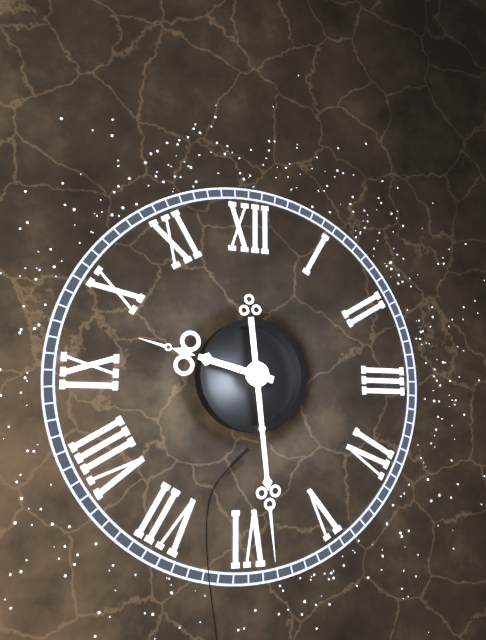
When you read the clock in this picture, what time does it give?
9:29
